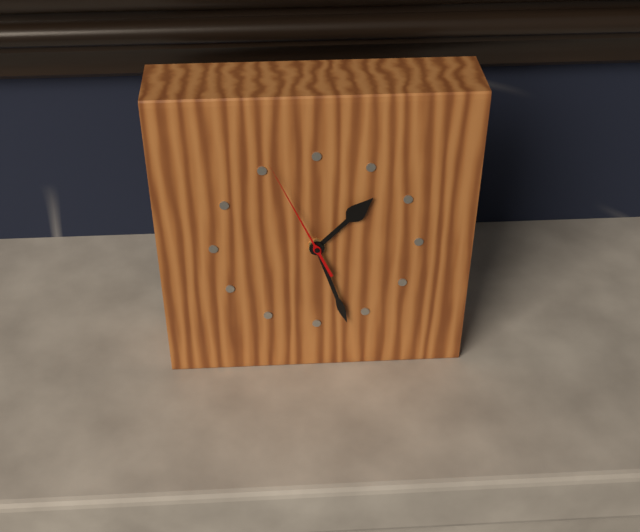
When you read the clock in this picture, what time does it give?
1:27:56
